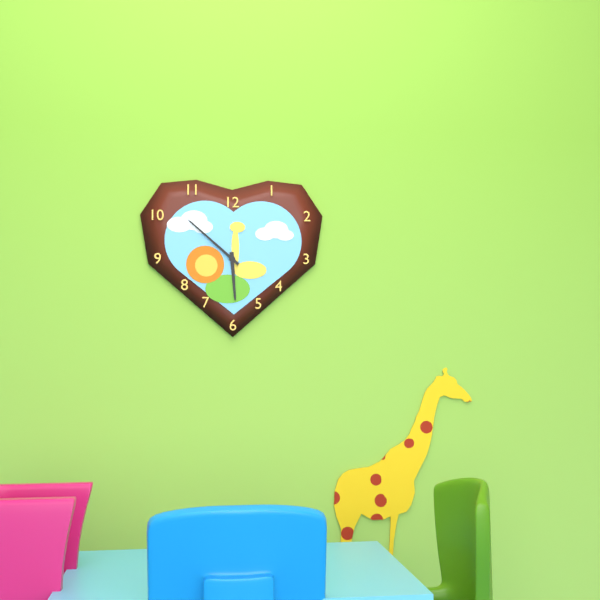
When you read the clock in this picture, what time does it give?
5:52
